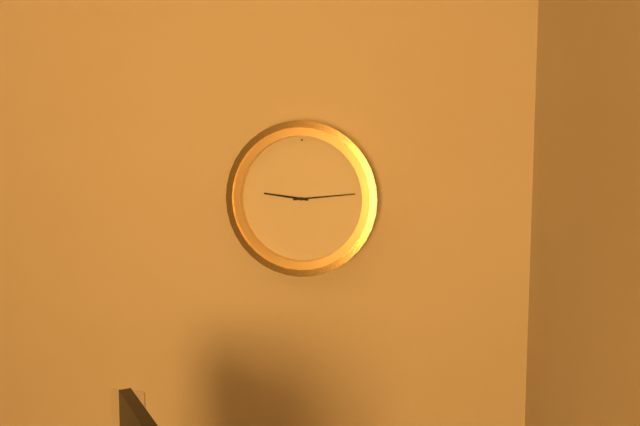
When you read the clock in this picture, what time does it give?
9:14
